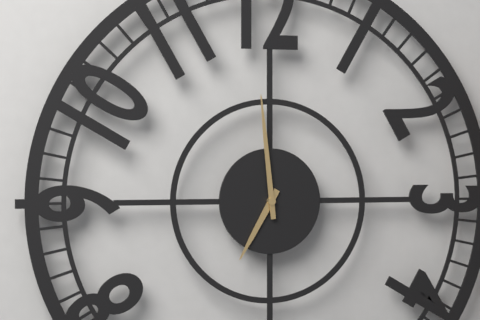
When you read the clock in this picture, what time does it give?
6:59
